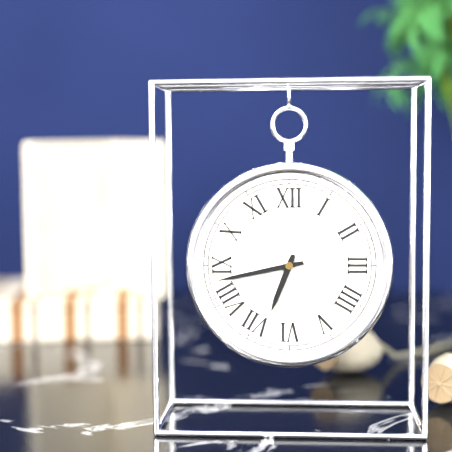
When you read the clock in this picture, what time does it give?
6:43
